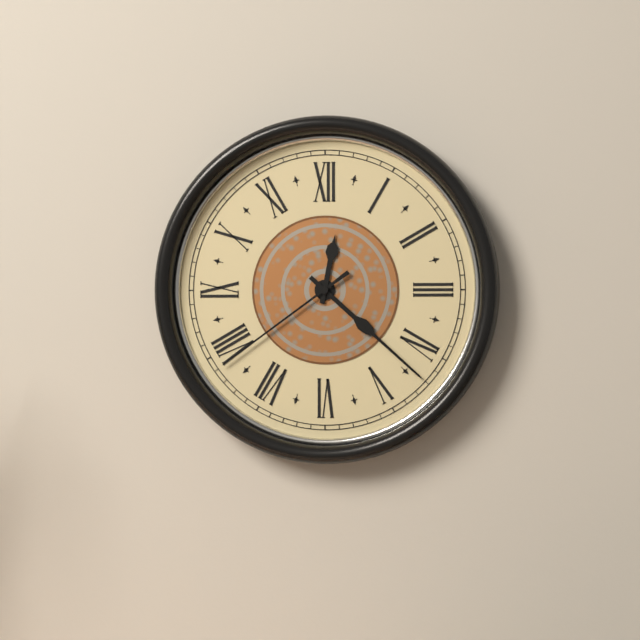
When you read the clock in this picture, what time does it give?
12:22:39
